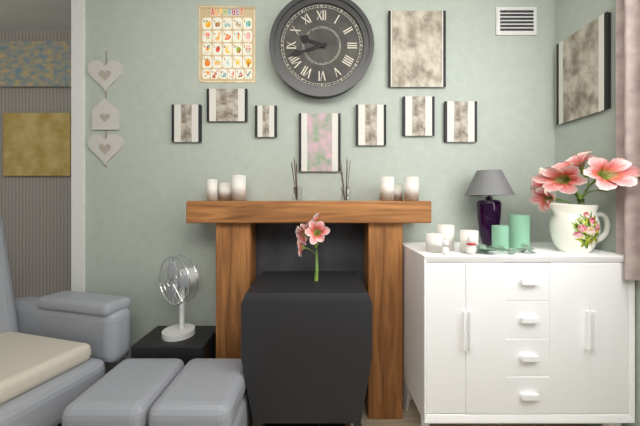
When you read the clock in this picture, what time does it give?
9:42
